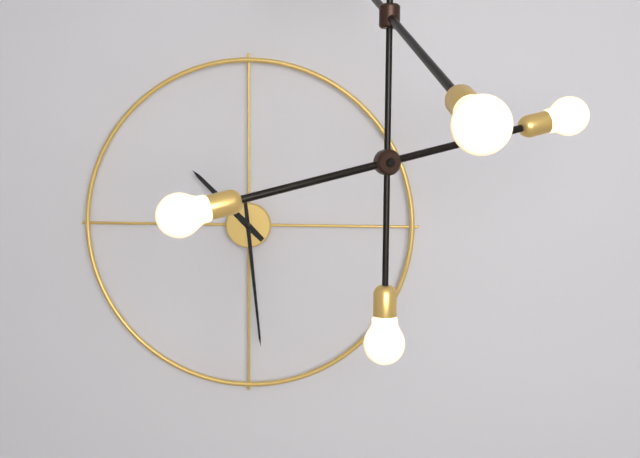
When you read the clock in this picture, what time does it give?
10:29
